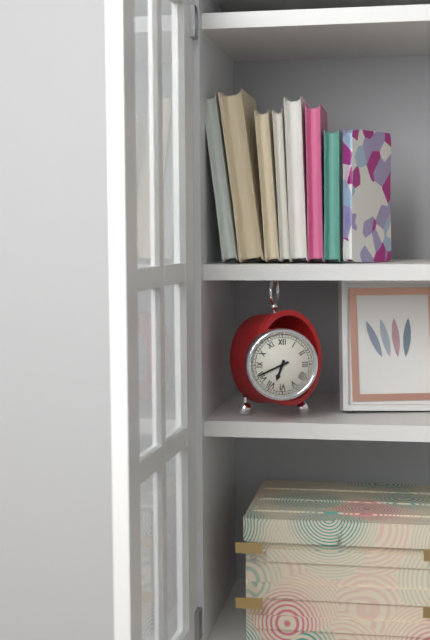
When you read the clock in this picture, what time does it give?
6:41
